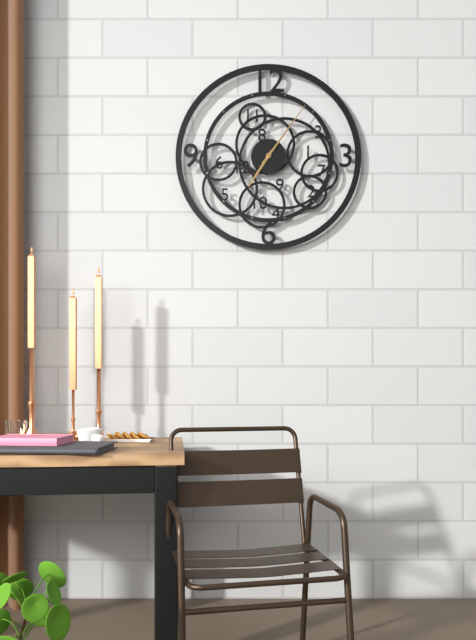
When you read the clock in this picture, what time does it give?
7:06
